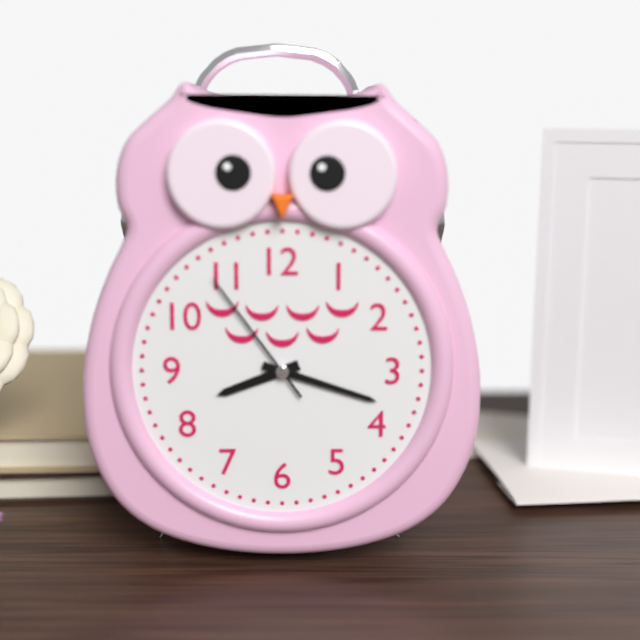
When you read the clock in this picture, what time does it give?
8:18:54
